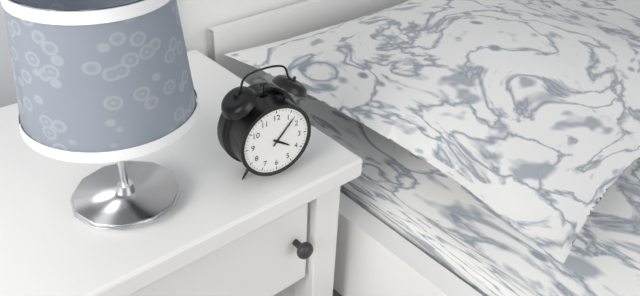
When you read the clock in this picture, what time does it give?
4:07
